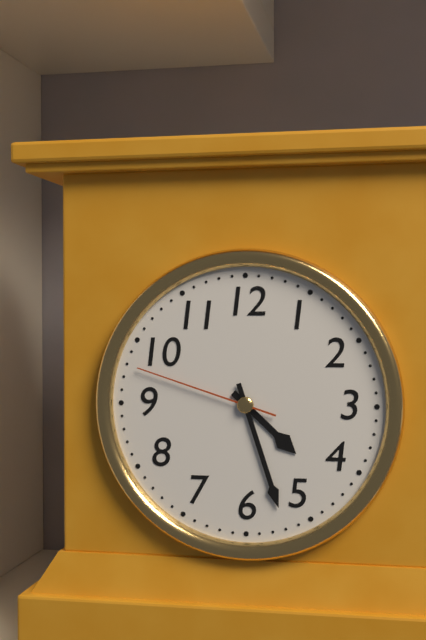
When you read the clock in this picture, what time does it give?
4:27:48
